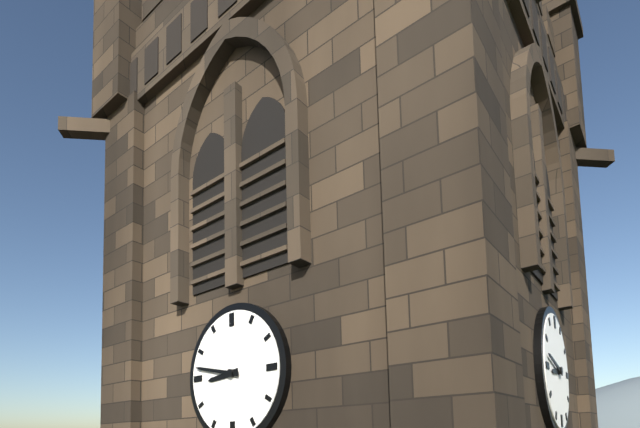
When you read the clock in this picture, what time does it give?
8:47
